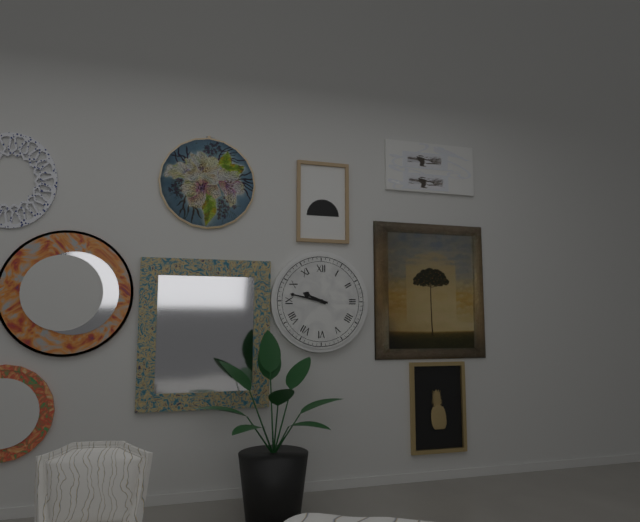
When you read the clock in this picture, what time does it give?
9:47
